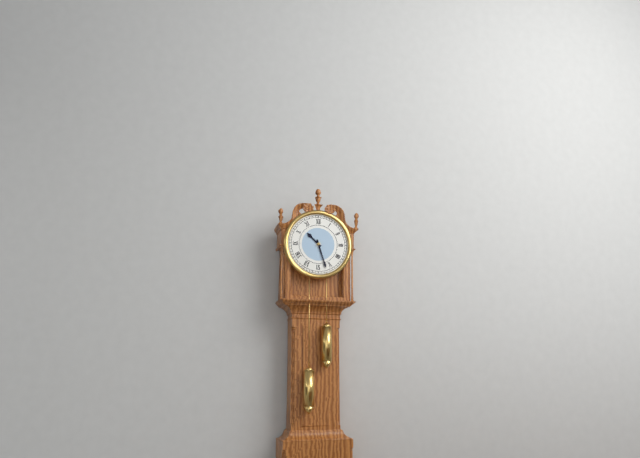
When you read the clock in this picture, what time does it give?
10:27
